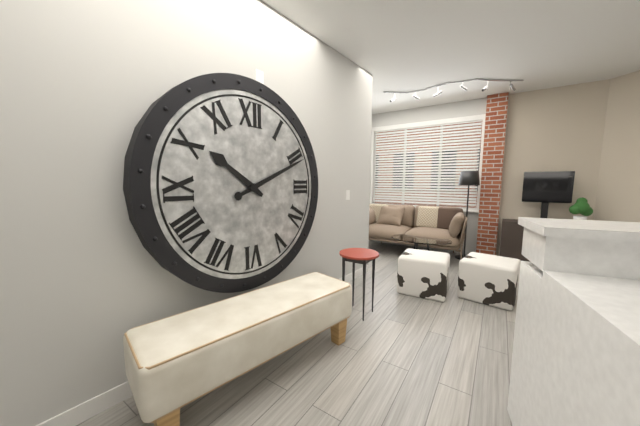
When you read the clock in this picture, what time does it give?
10:11
